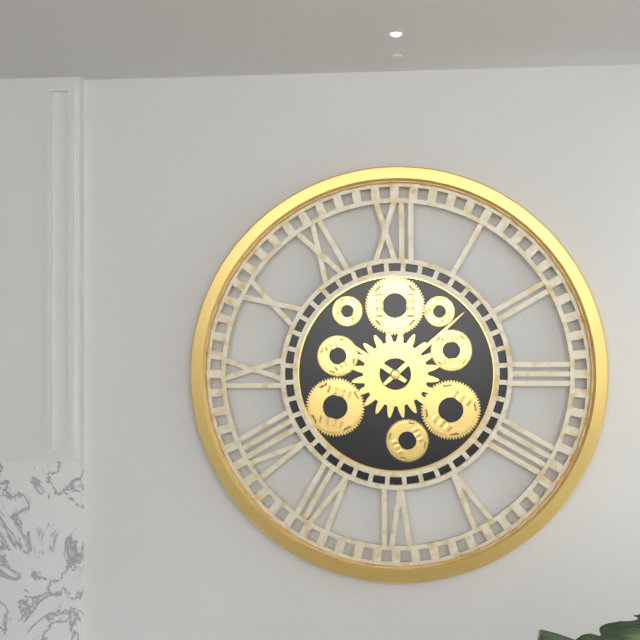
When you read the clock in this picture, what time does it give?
10:08
